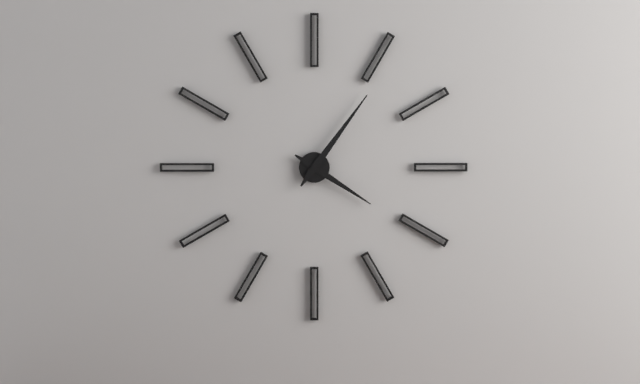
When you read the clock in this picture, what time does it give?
4:06
